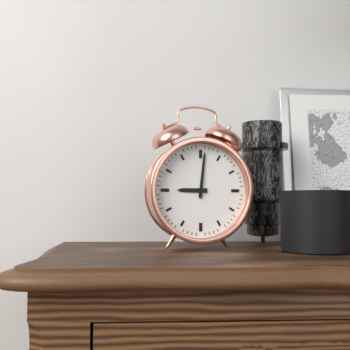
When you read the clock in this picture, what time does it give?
9:01
